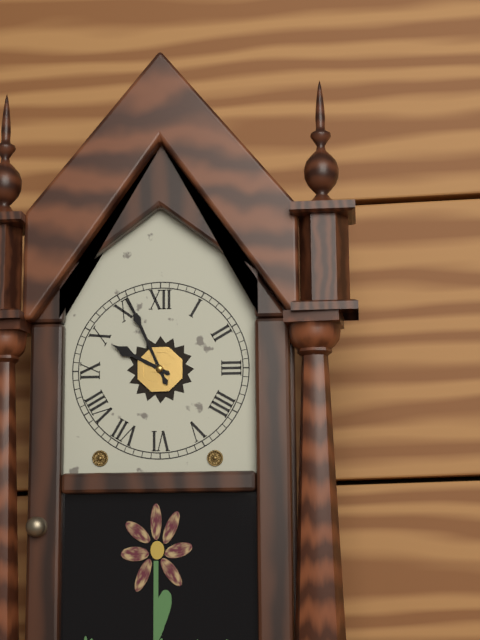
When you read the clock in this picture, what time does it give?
9:56
